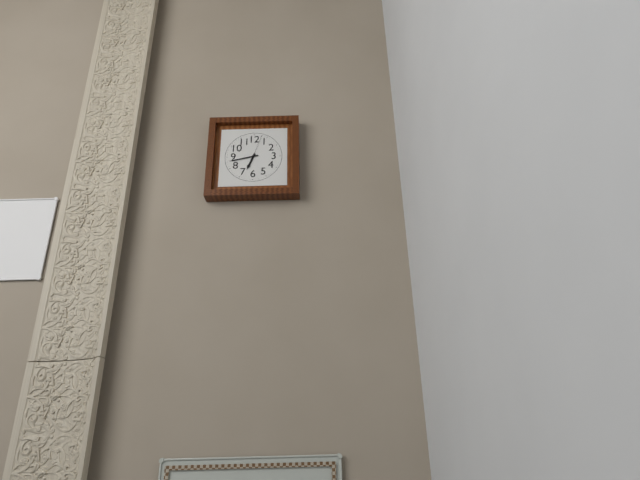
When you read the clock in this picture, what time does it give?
6:43
